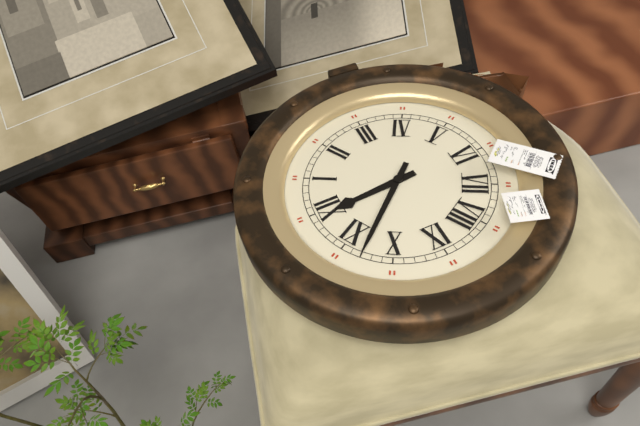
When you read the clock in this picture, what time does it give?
11:53
